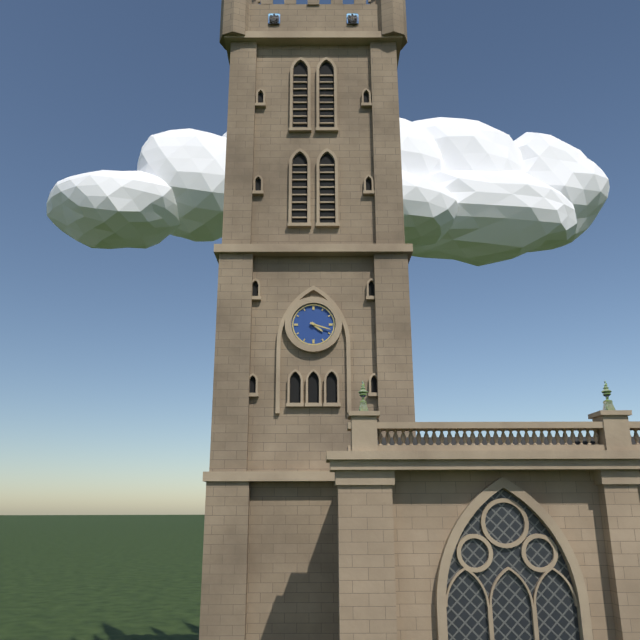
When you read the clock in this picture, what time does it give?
4:18
